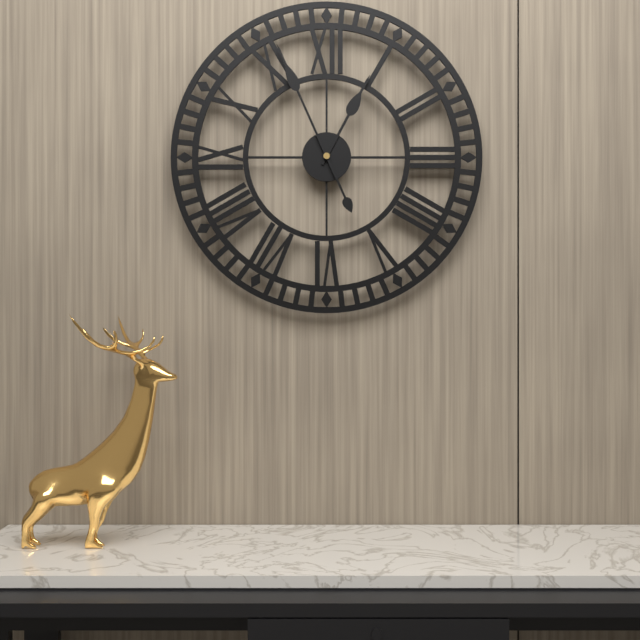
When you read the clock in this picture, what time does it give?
12:56
